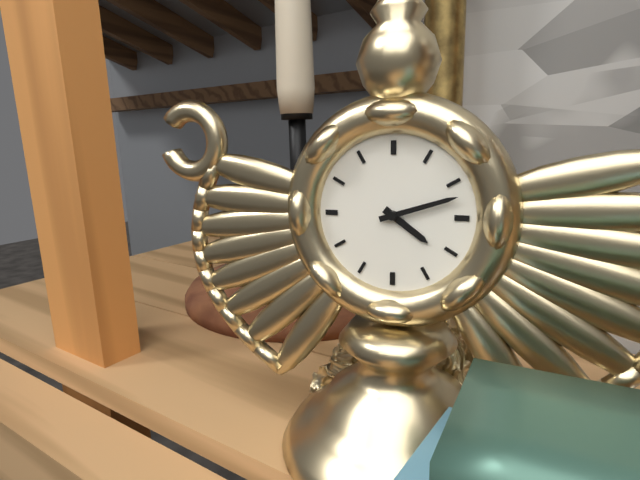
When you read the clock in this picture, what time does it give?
4:12
